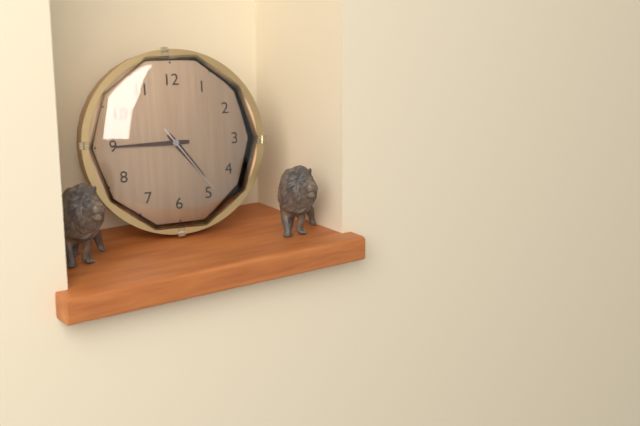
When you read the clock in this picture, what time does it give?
4:45:24
